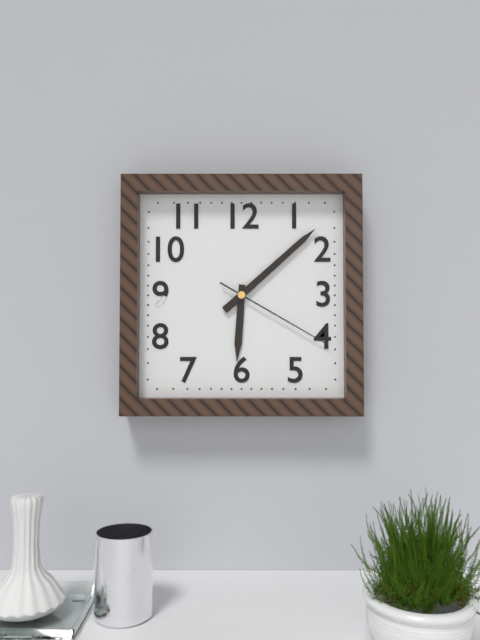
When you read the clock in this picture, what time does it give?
6:08:20
